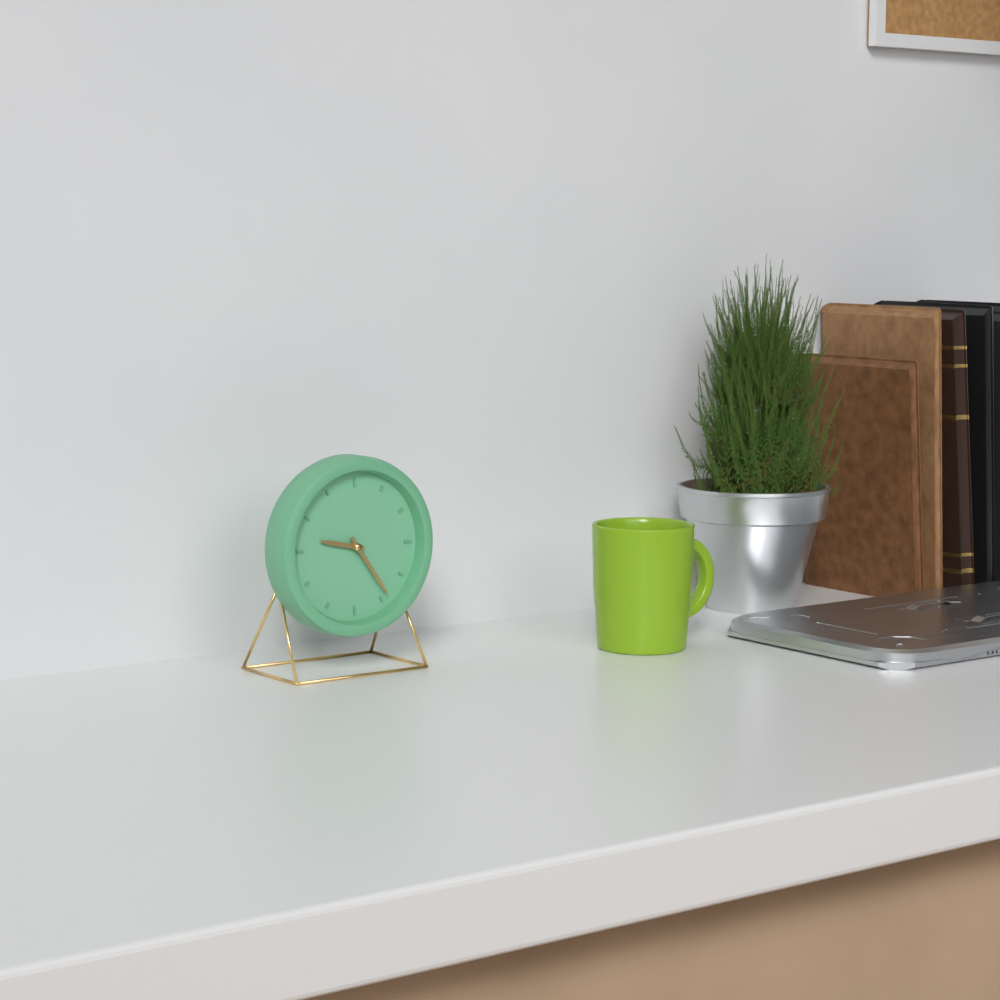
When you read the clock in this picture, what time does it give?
9:24
